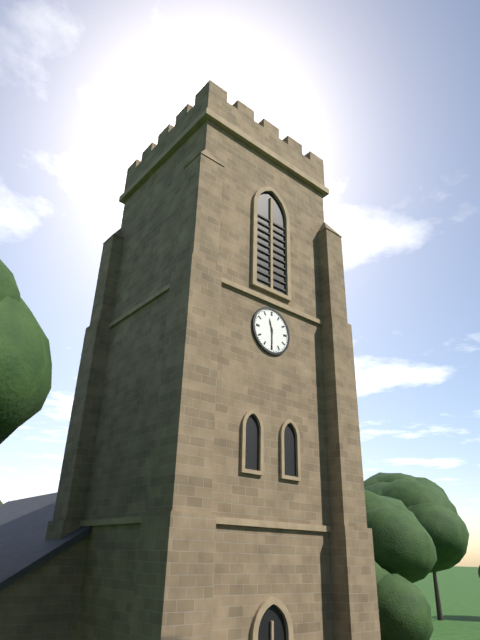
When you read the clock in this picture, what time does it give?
11:30
